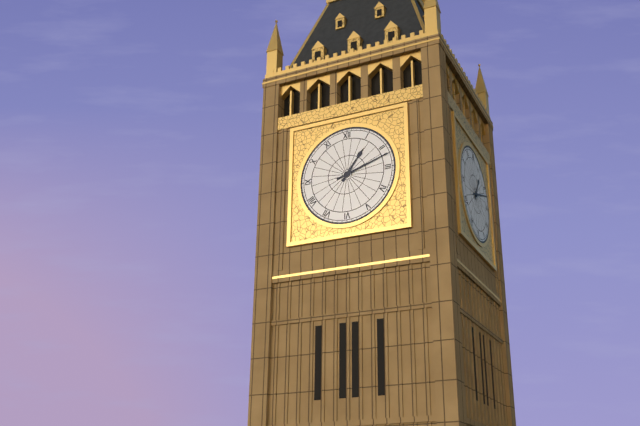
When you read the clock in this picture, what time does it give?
1:12
